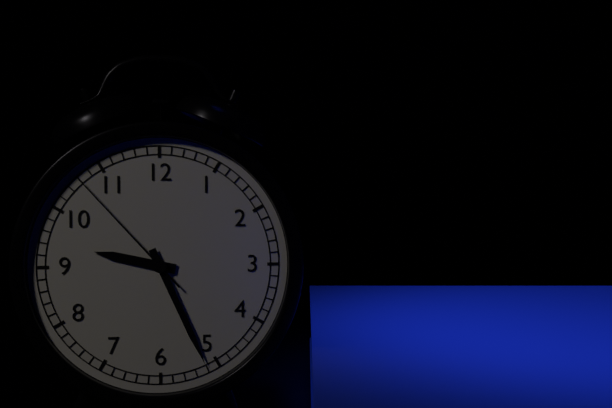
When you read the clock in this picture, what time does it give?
9:26:53
